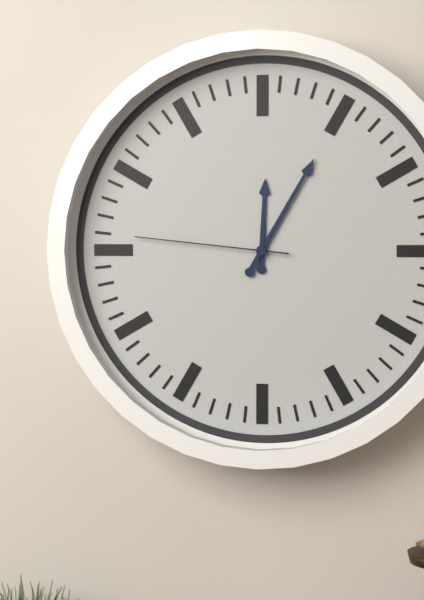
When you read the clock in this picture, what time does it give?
12:05:46
